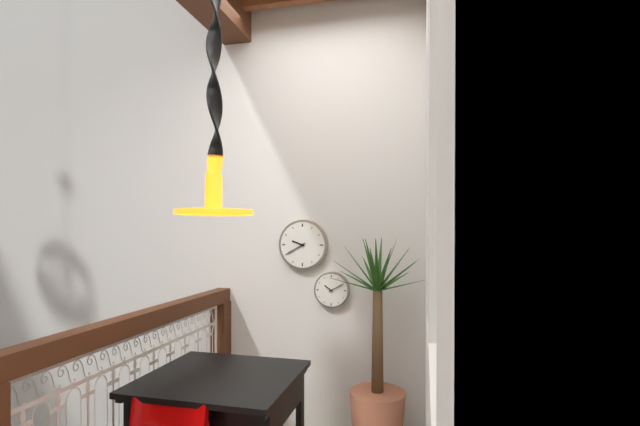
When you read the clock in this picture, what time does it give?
9:40
